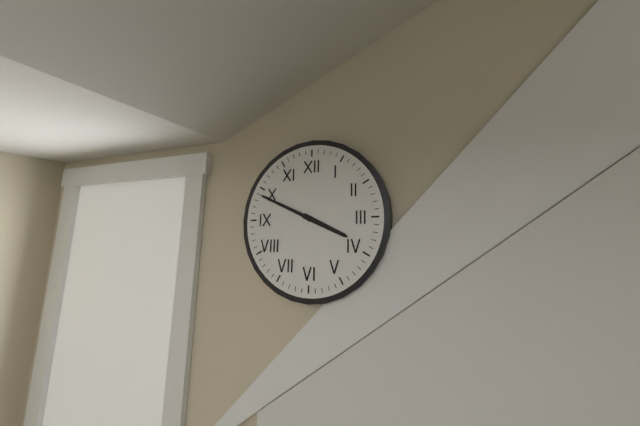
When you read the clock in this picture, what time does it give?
3:49
